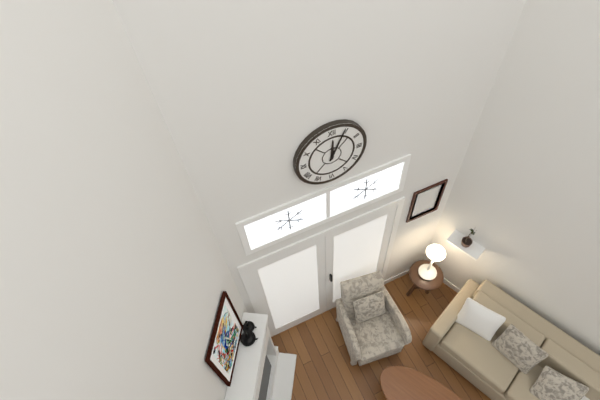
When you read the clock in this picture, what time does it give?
12:04
